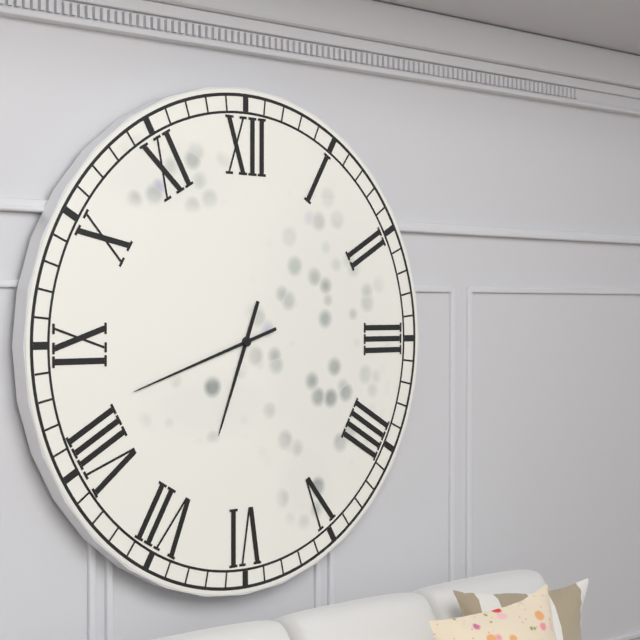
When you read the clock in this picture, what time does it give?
6:42
